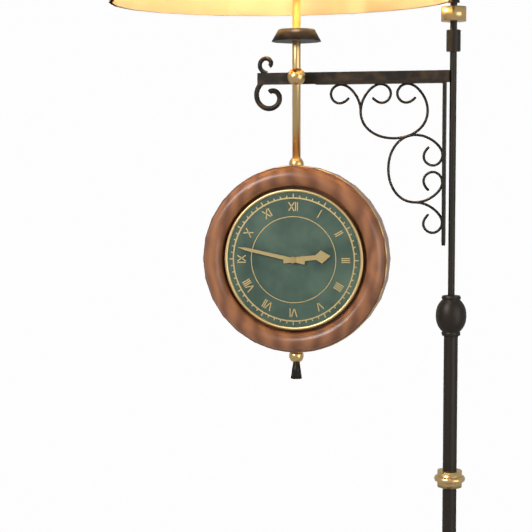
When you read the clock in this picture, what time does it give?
2:47
